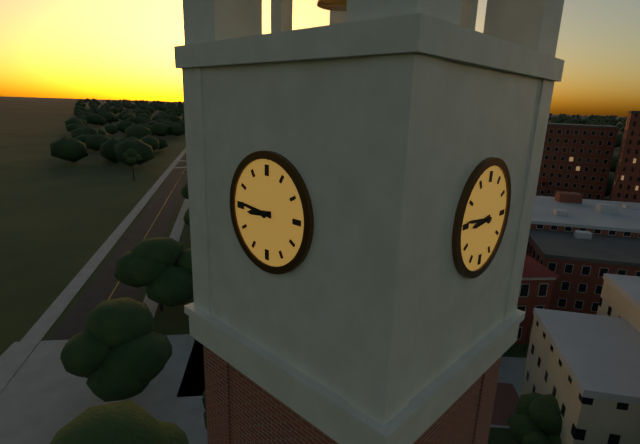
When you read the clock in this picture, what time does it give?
8:46
